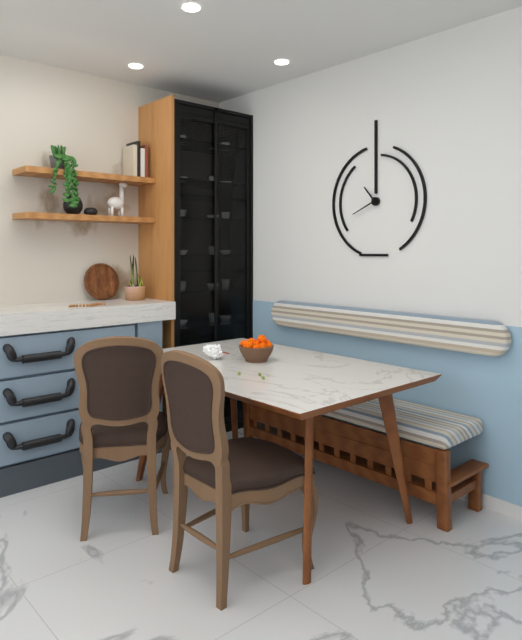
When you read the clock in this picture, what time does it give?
10:41
